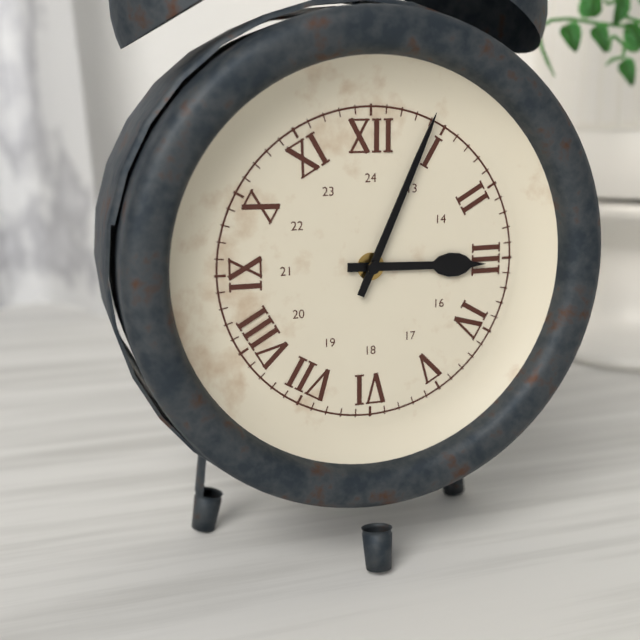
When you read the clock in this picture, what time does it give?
3:04
